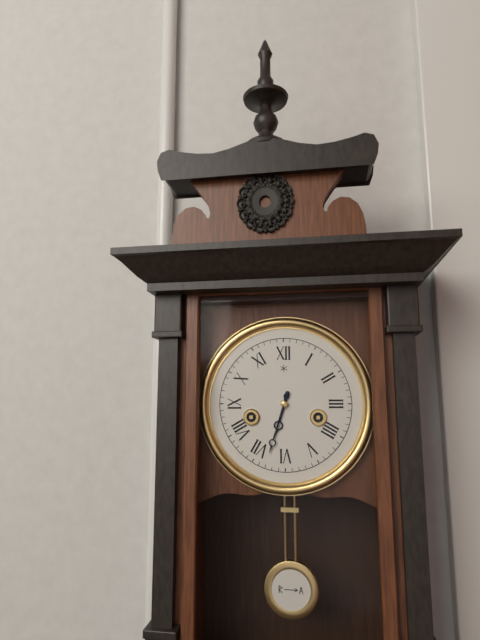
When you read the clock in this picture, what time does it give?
6:33
